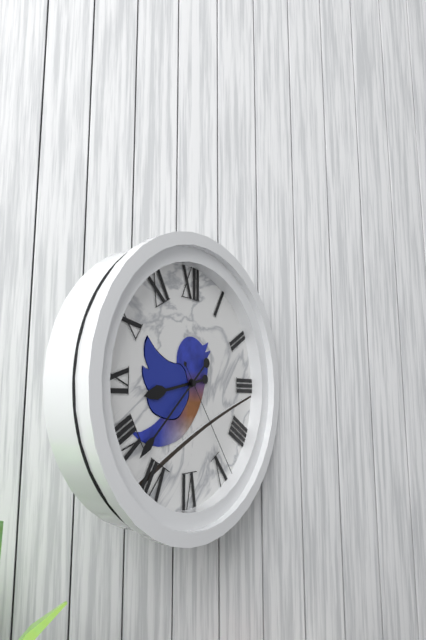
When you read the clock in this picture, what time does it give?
8:38:24
